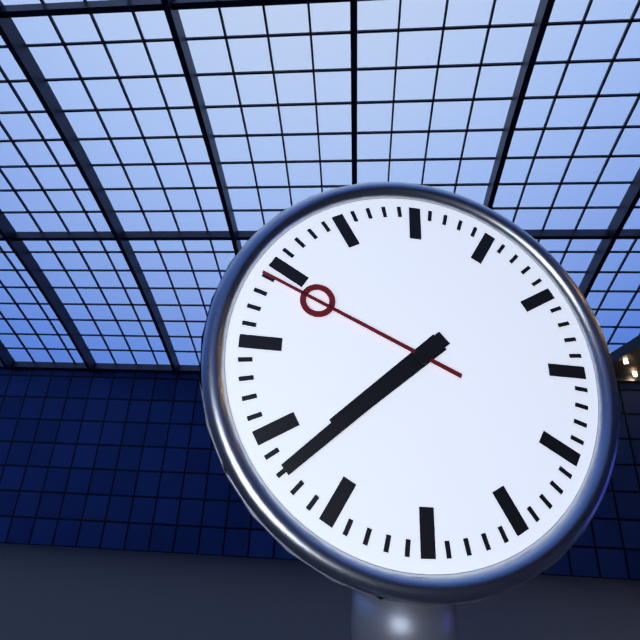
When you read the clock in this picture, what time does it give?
7:38:49
